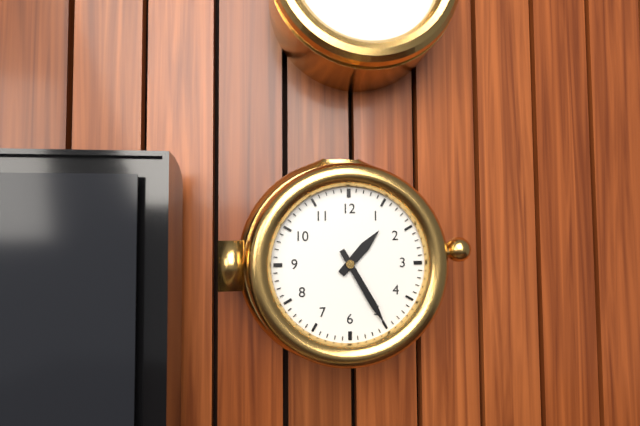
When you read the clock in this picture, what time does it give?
1:25
